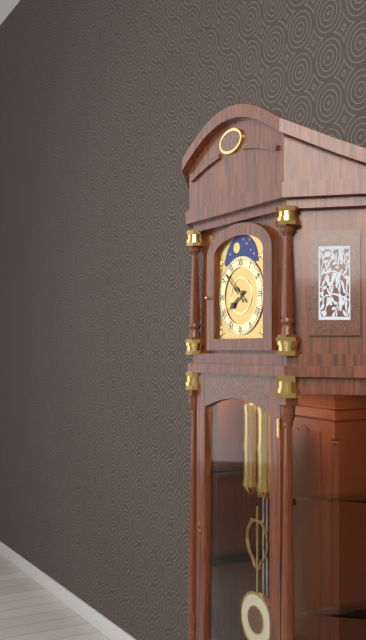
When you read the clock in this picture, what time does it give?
7:52
